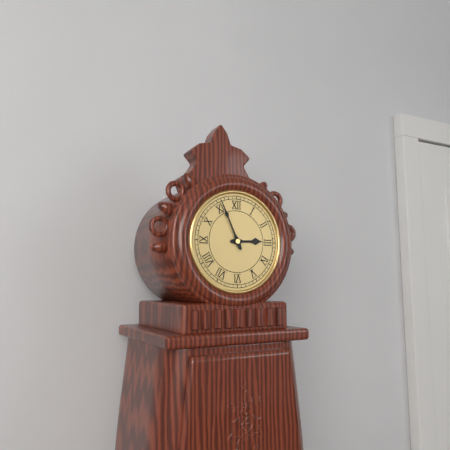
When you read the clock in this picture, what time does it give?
2:56
